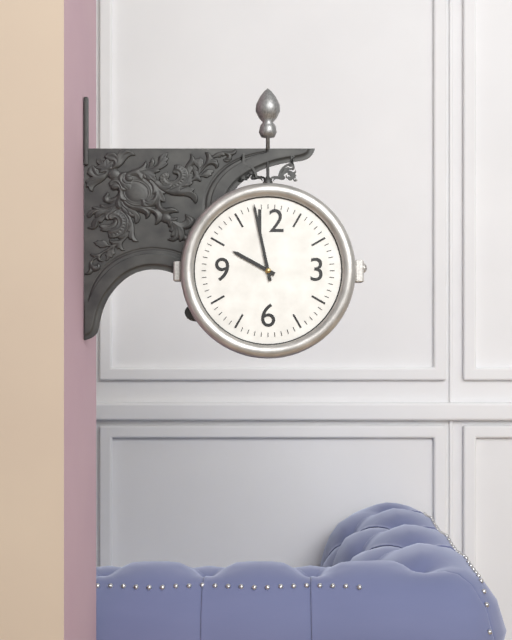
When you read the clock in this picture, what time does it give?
9:58
